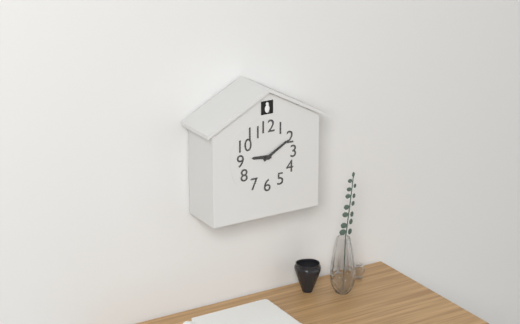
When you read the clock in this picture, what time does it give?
9:10
